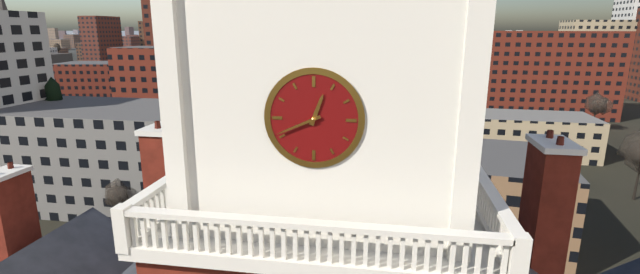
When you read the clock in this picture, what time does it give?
12:41
